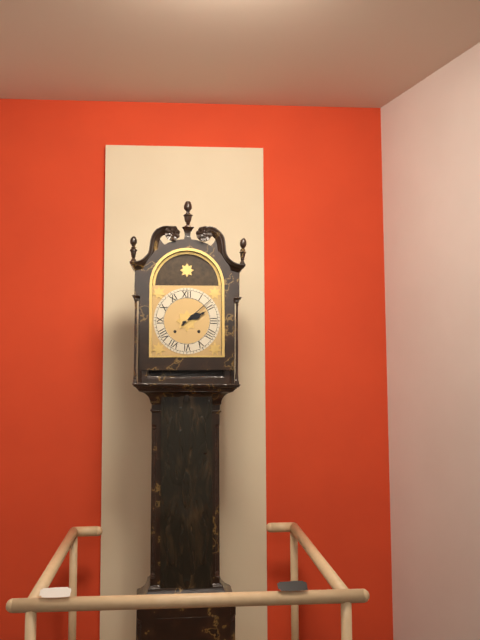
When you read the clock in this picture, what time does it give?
2:08
